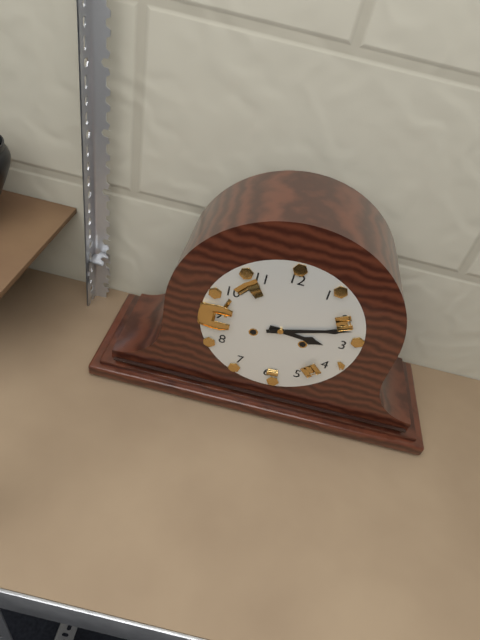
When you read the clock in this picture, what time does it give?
3:12
